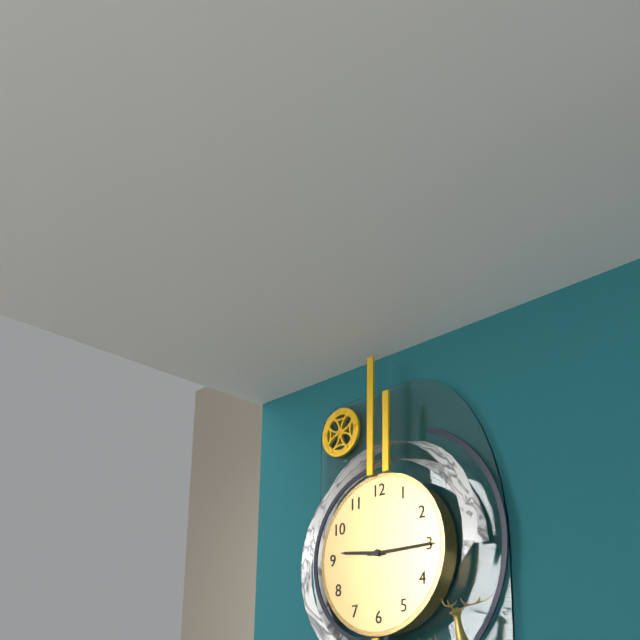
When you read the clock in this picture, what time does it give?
9:15
